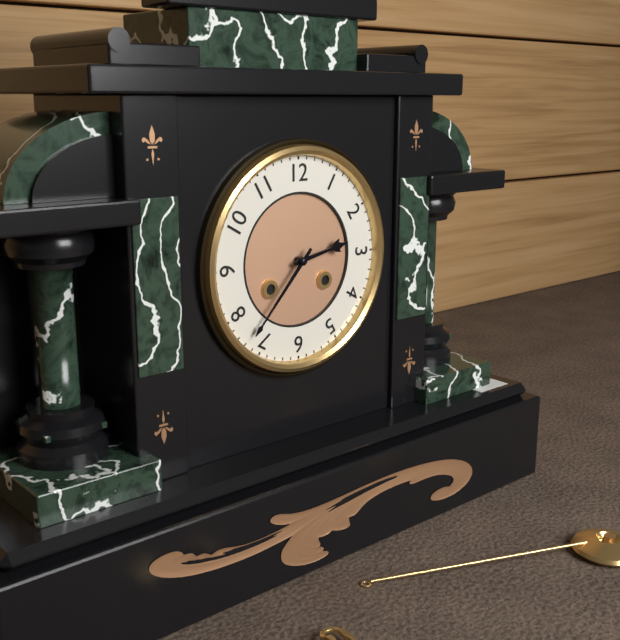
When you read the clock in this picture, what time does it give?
2:37
